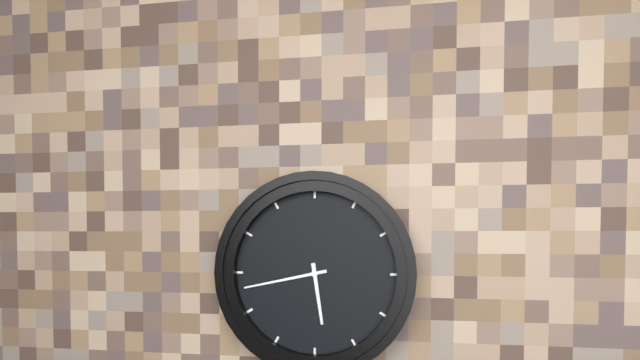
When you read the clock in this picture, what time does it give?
5:43
